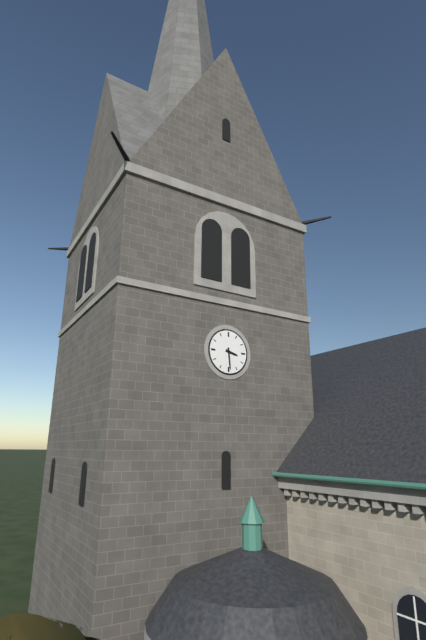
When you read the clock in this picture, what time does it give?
3:29
